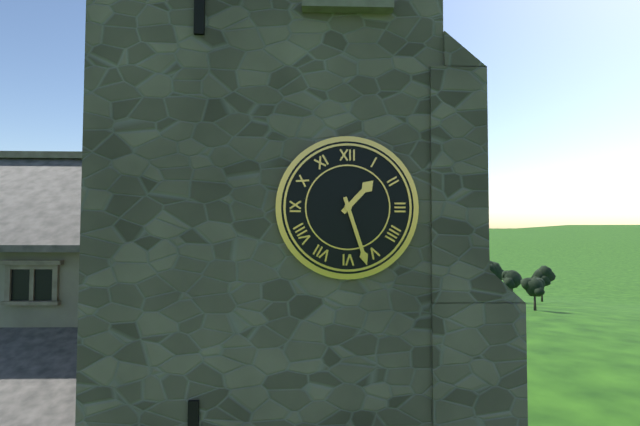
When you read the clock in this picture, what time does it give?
1:27
